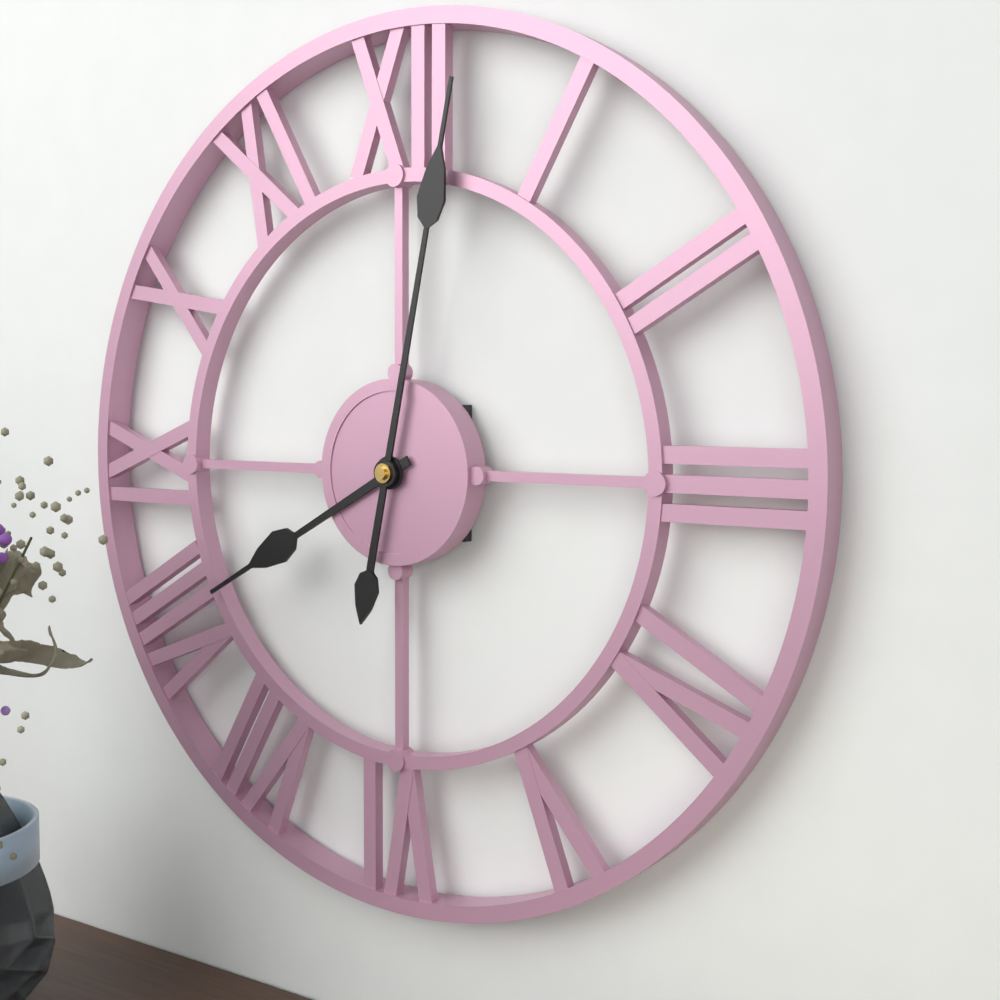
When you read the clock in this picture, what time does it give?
8:02
